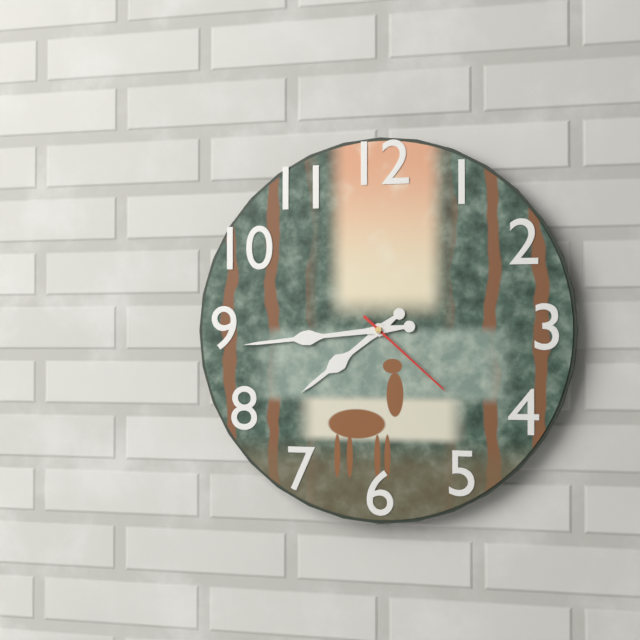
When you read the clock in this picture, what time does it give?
7:44:22
